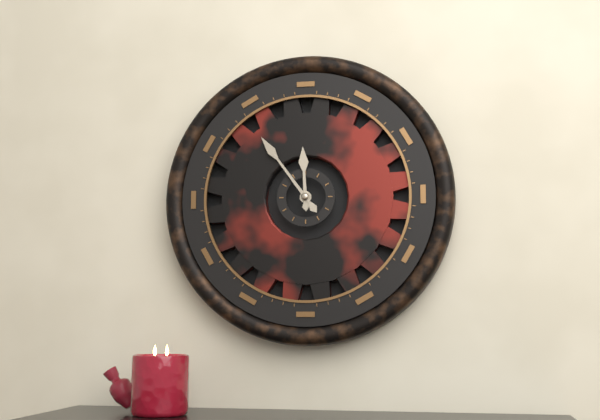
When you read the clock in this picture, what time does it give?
11:54
